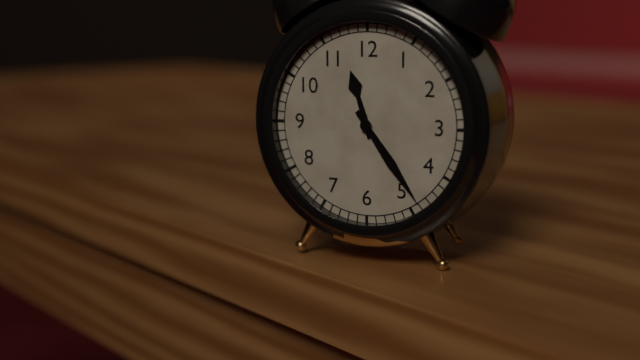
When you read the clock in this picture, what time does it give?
11:24
